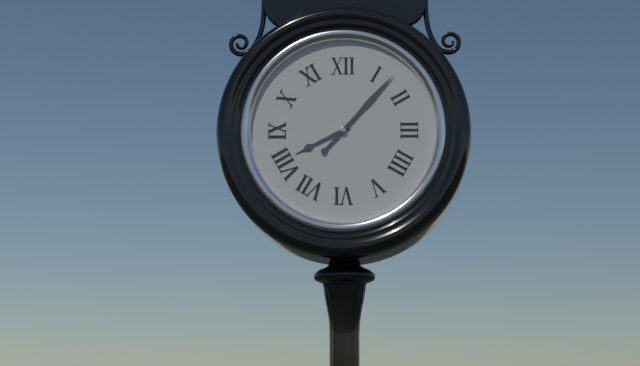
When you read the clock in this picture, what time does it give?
8:07
